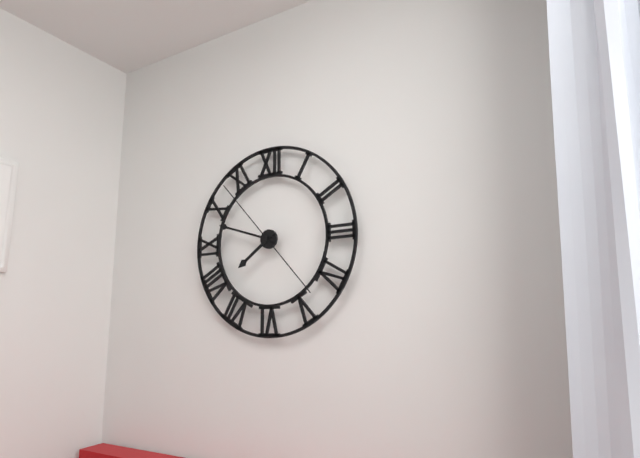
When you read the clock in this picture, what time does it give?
7:48:53
